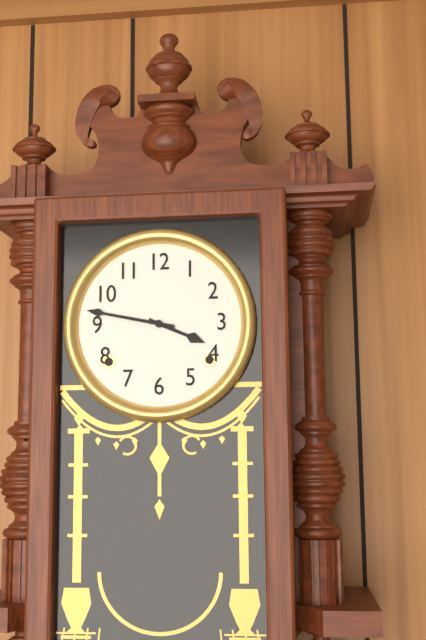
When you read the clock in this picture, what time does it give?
3:47
